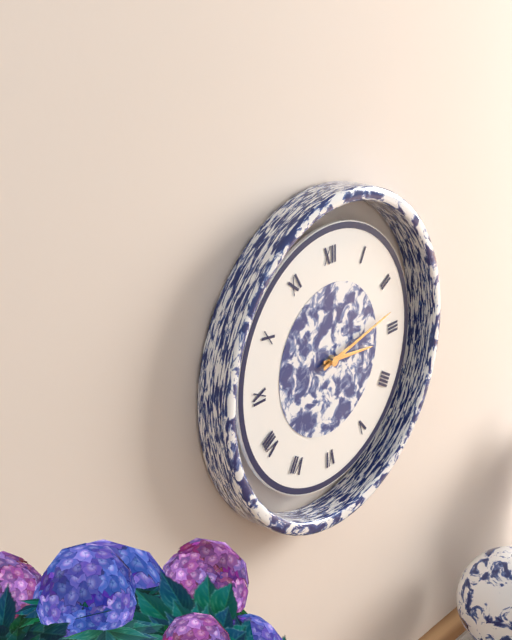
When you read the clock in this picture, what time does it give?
3:13
